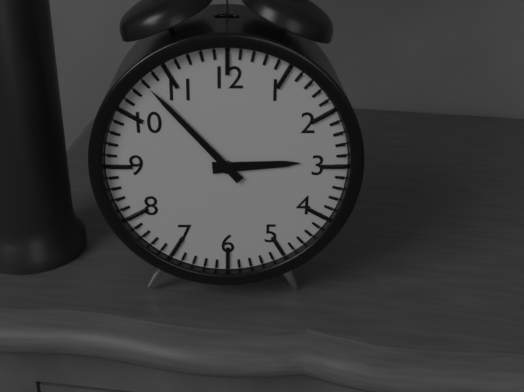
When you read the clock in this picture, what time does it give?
2:53
